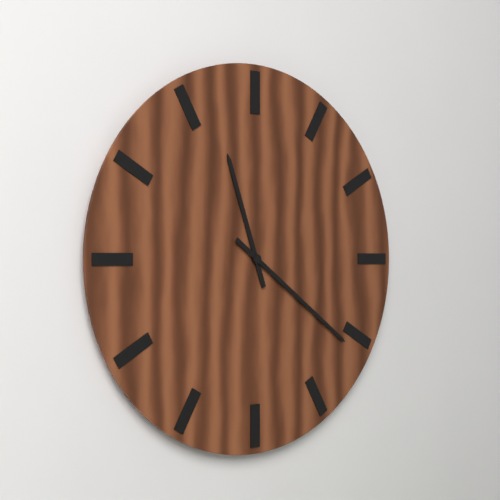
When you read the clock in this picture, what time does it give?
11:21
